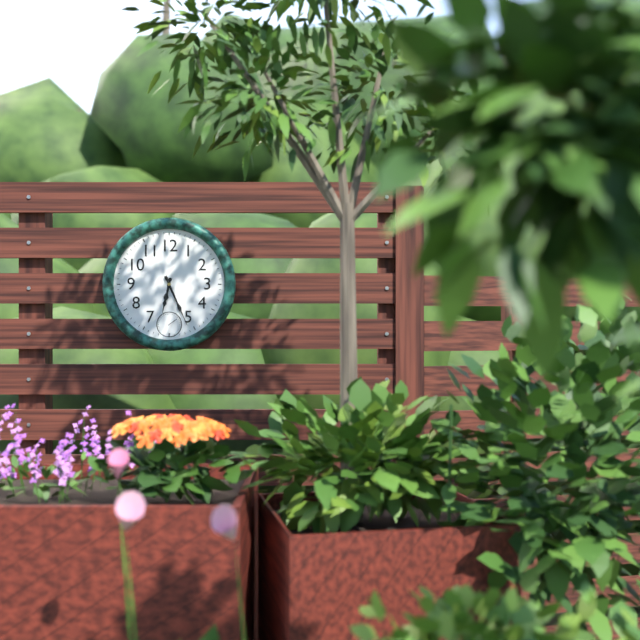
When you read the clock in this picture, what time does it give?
6:26
